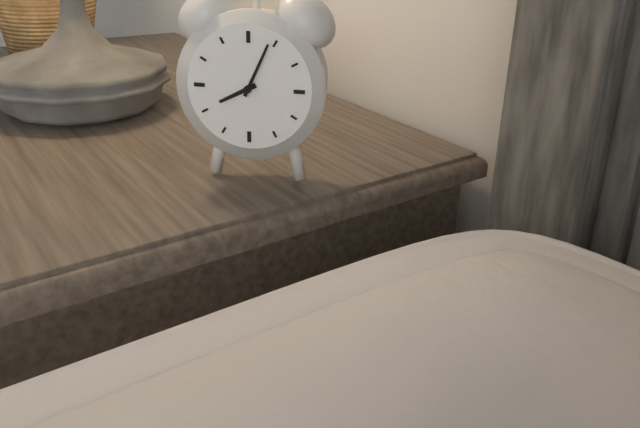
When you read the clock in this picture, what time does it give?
8:04
